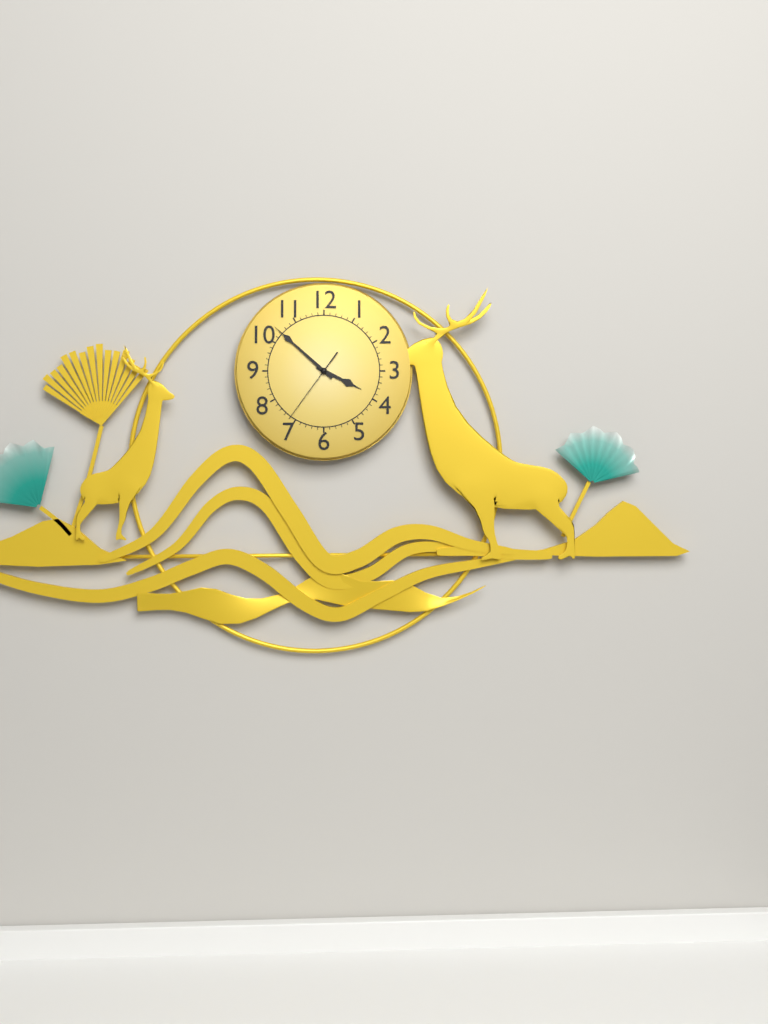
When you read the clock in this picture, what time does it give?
3:52:36
